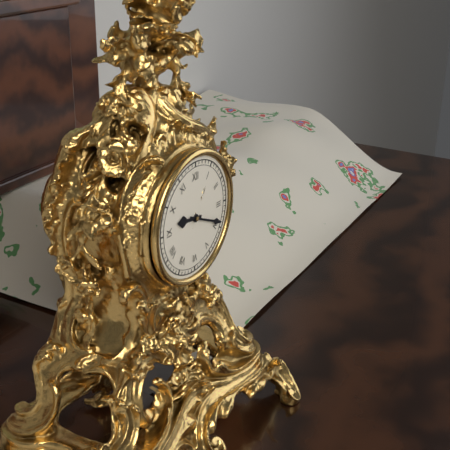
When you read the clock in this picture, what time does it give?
9:19
